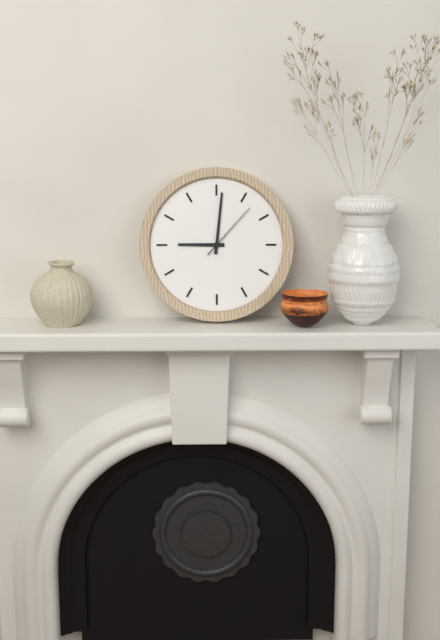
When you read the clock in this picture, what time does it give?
9:01:07
